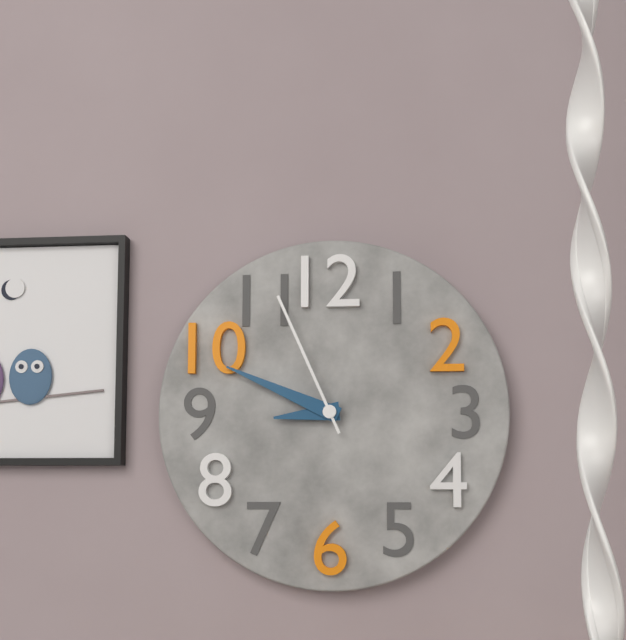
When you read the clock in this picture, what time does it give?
8:49:56
